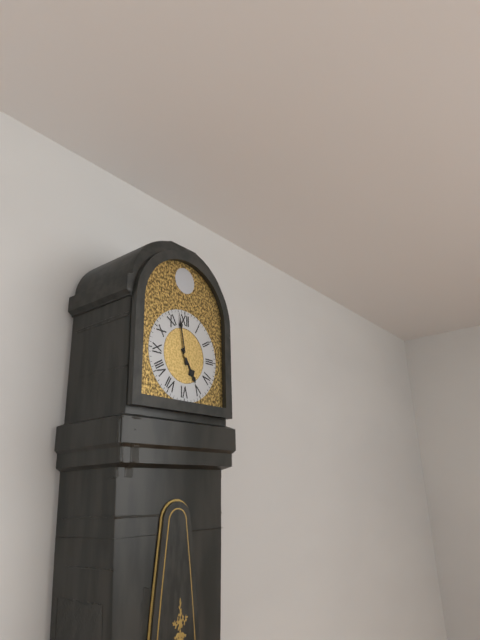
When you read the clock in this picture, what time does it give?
4:58
